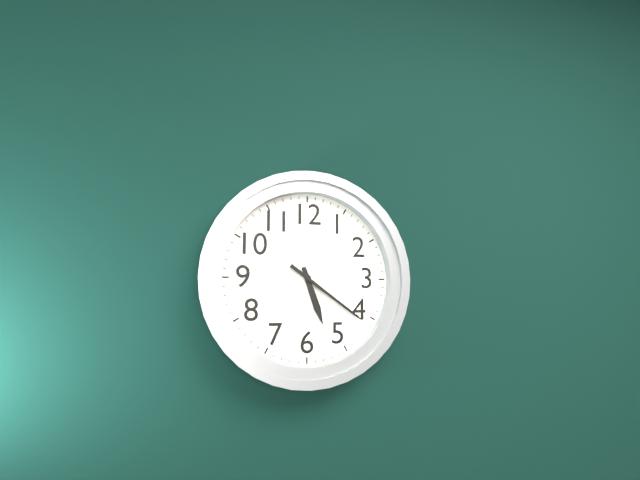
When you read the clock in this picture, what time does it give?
5:21
